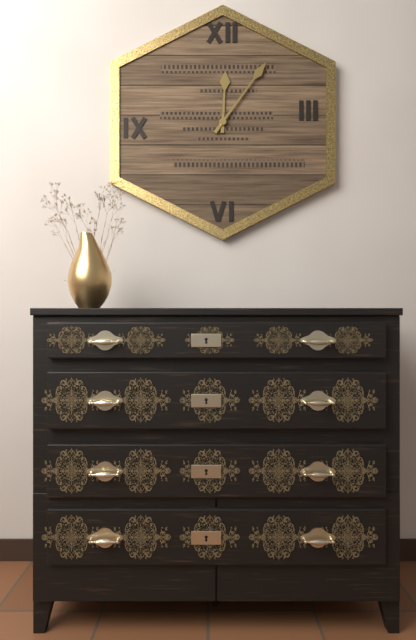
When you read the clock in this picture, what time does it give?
12:06
